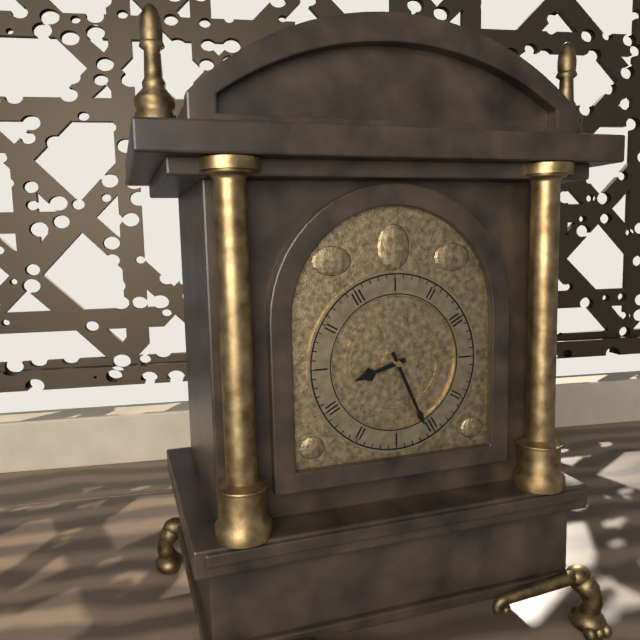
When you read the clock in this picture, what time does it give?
8:26
